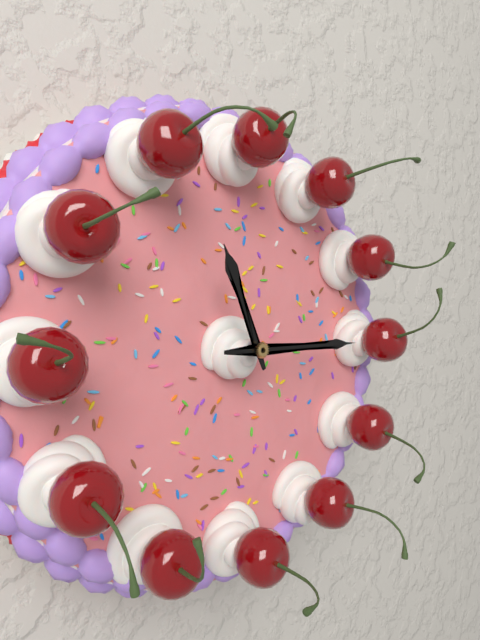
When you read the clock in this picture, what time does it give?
11:15
